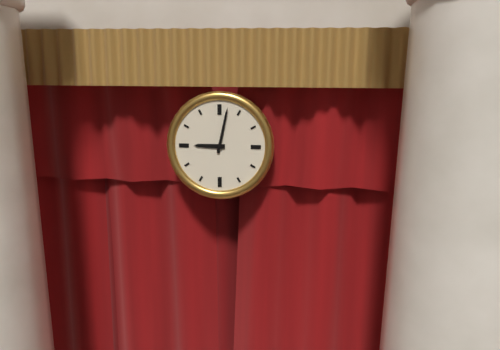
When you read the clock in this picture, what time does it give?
9:02
